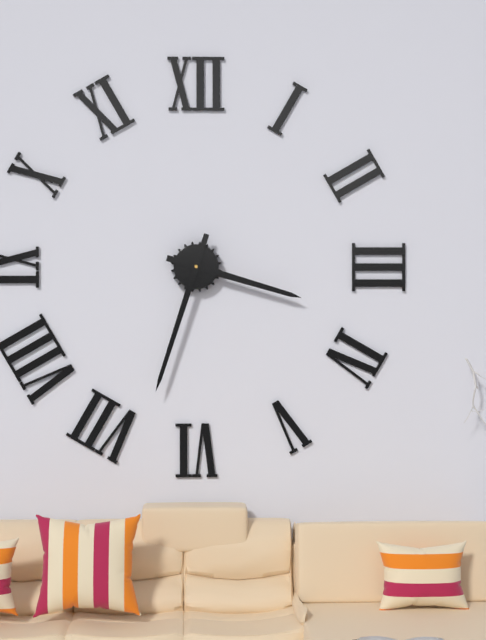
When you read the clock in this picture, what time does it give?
3:33
